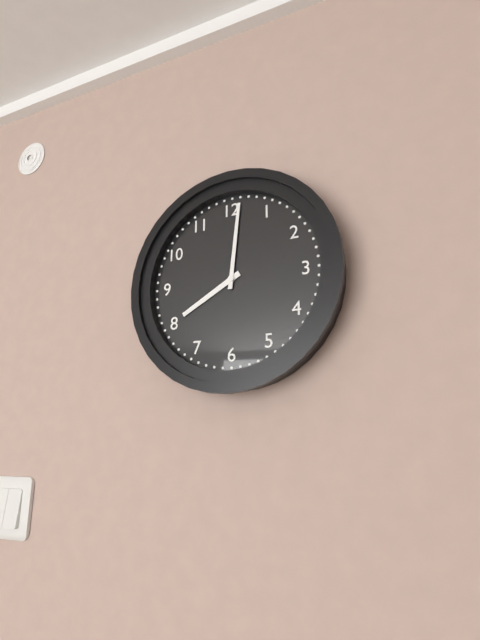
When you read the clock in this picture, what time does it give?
8:01
